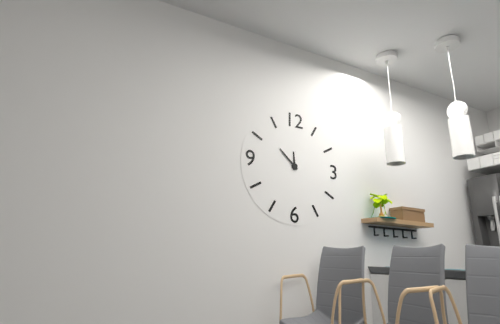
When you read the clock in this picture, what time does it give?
11:52
